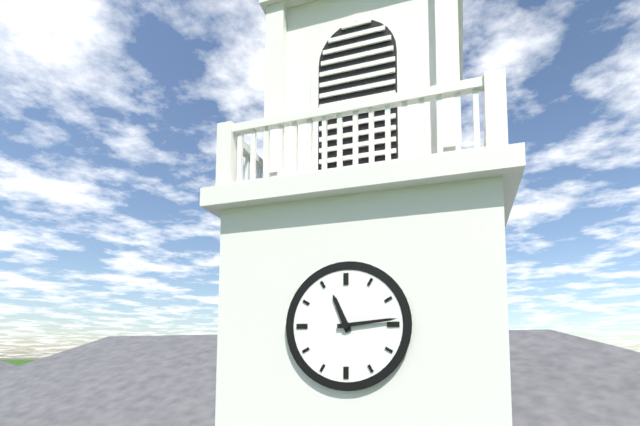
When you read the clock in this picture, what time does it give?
11:14
